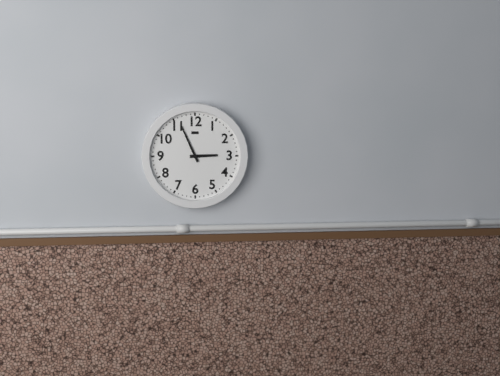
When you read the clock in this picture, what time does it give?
2:56
